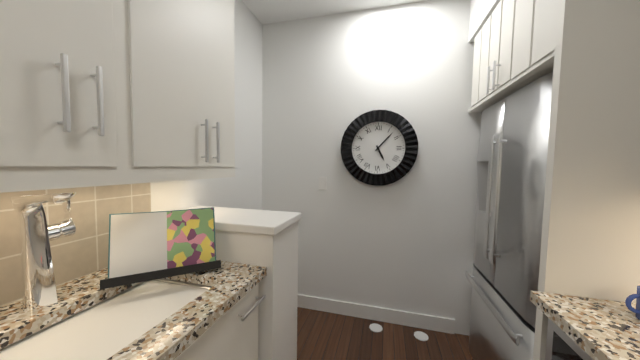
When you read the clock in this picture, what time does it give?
5:07
